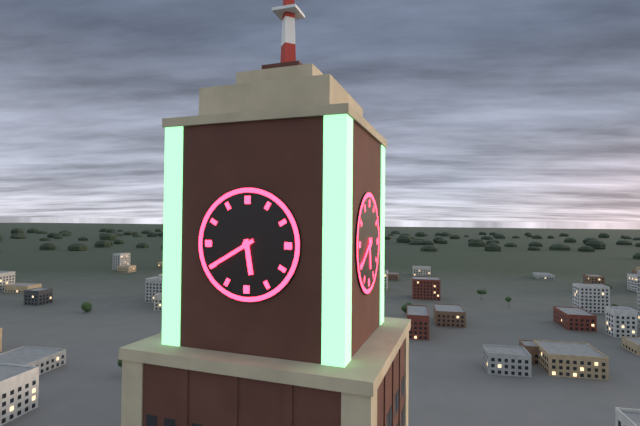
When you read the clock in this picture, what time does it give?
5:40
